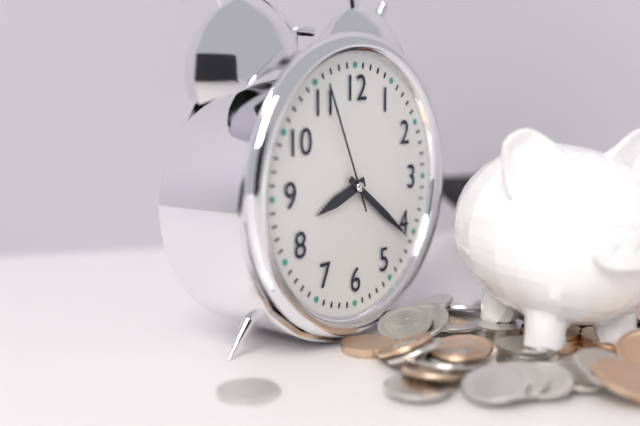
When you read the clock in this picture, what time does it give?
8:21:56
